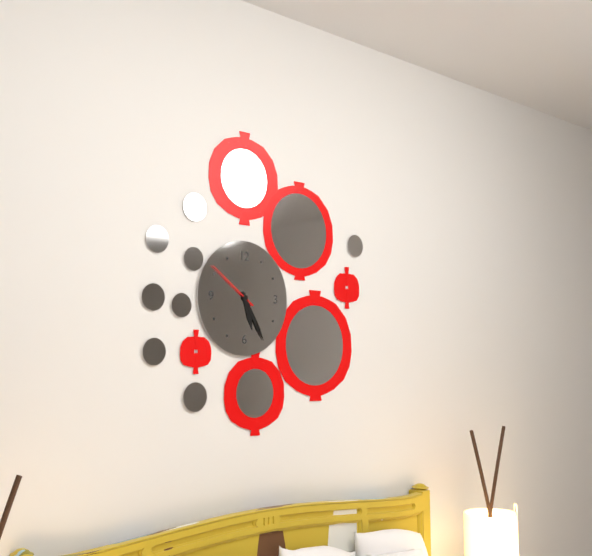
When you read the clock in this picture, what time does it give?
5:25:51
